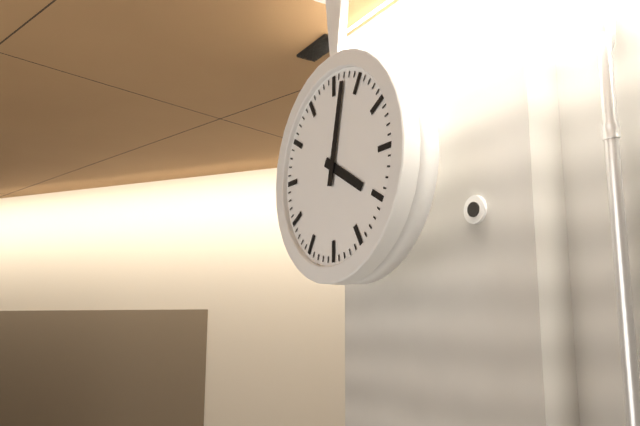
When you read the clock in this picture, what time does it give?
4:02
